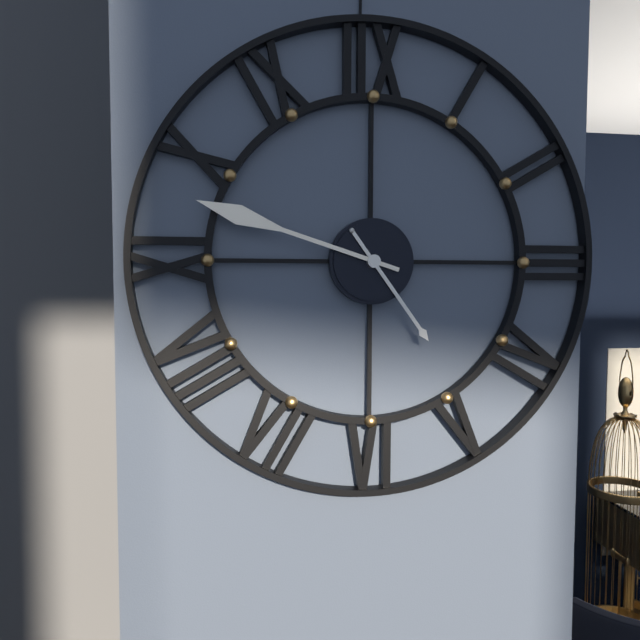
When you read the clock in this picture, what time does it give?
4:48
